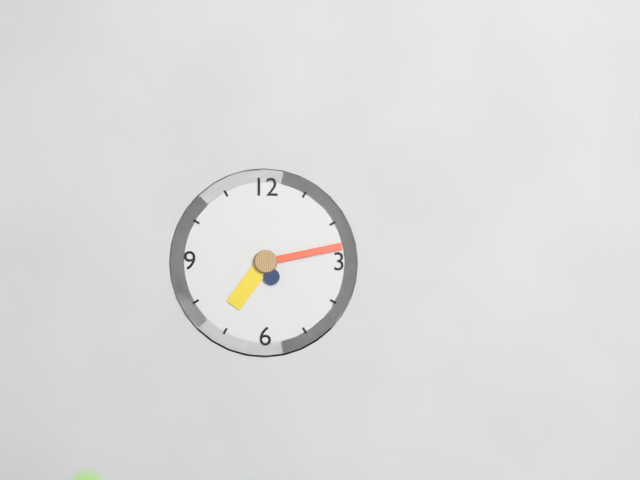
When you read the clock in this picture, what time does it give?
7:13
